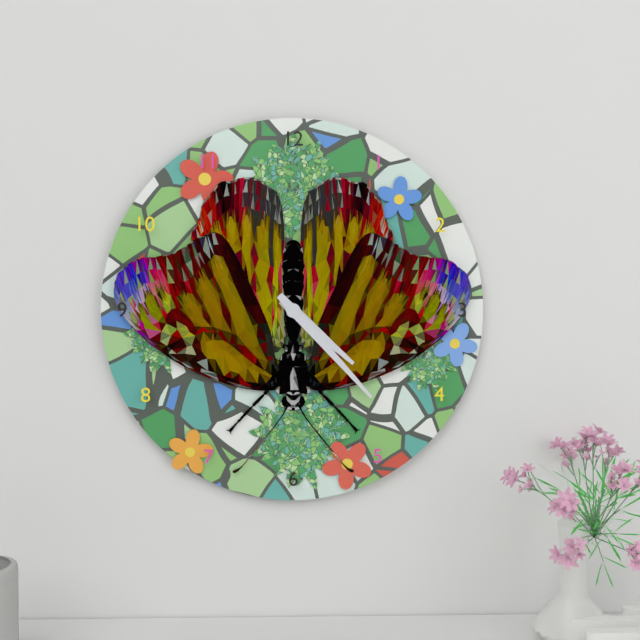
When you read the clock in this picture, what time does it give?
4:23
